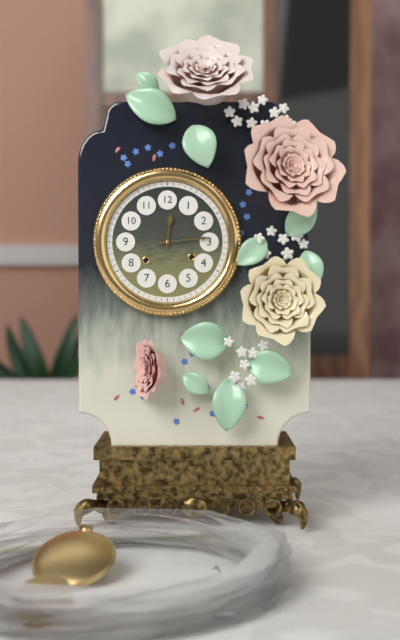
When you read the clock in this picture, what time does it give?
12:14
